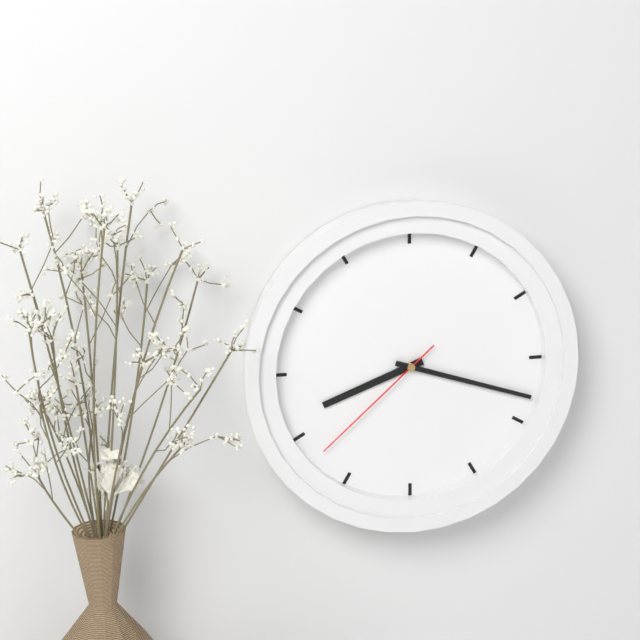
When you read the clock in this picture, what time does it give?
8:18:38
